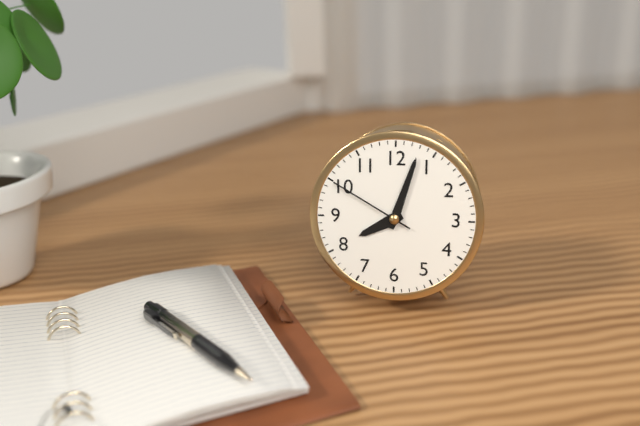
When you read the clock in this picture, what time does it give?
8:03:50
